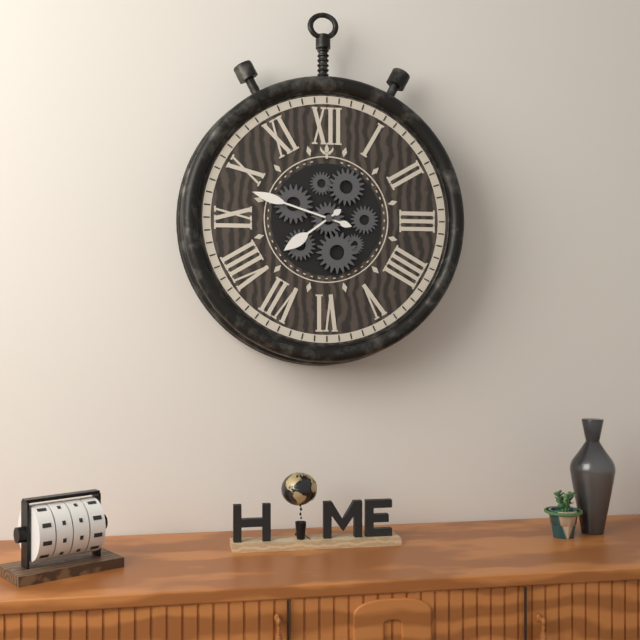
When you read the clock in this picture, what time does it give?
7:48
